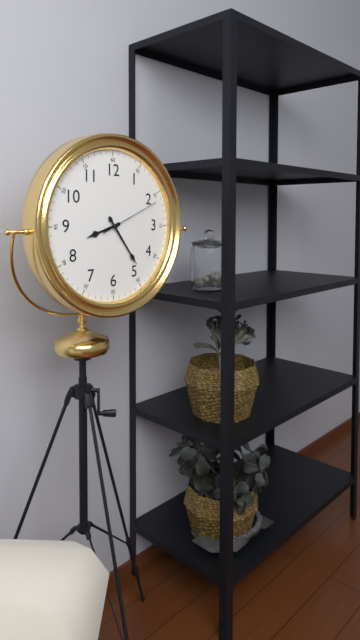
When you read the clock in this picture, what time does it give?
8:24:11
